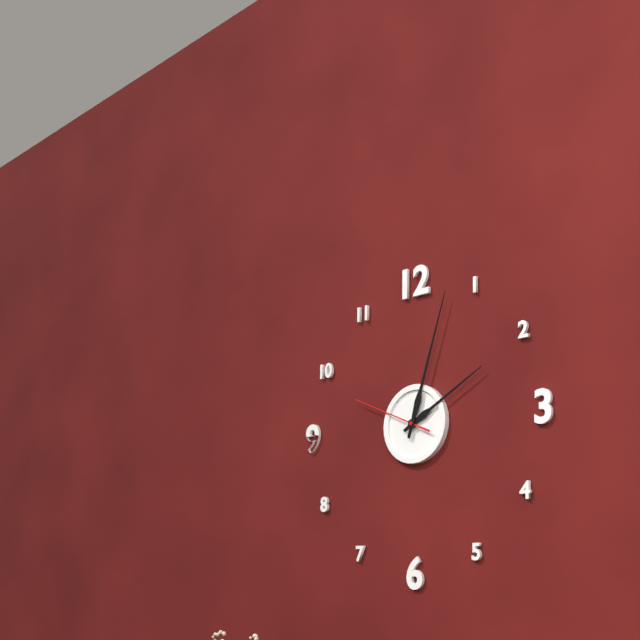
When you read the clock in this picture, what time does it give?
2:03:49
